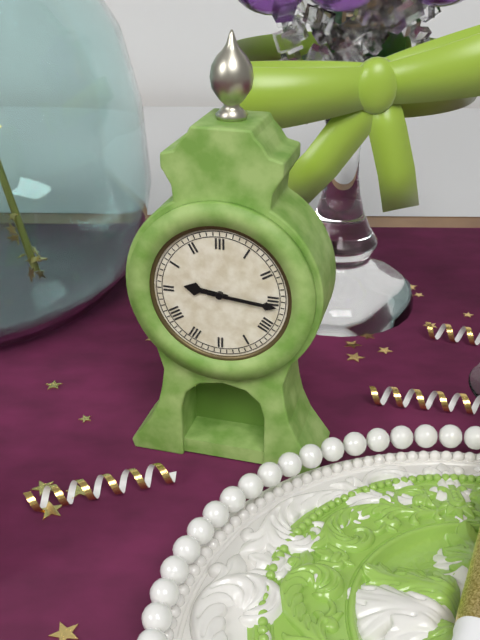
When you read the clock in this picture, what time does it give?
9:16
